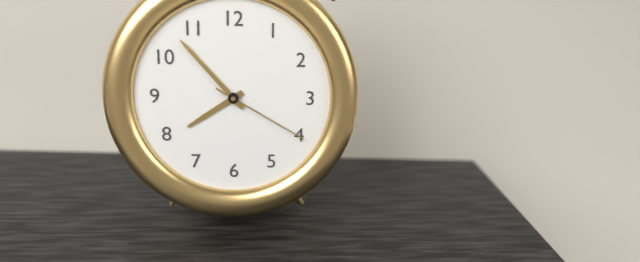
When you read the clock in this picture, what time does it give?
7:53:20
